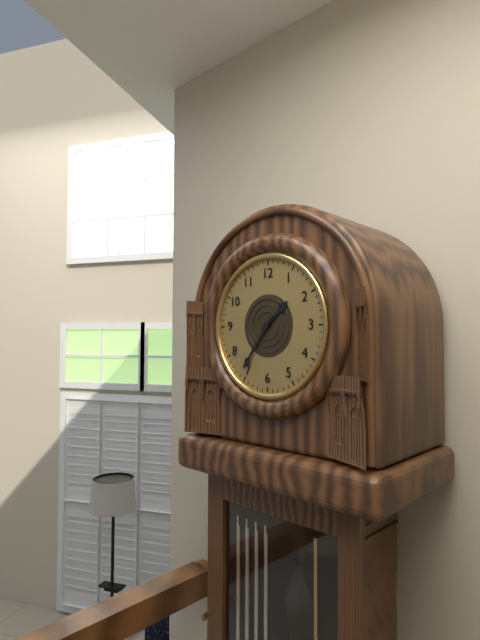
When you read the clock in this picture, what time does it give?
1:36
